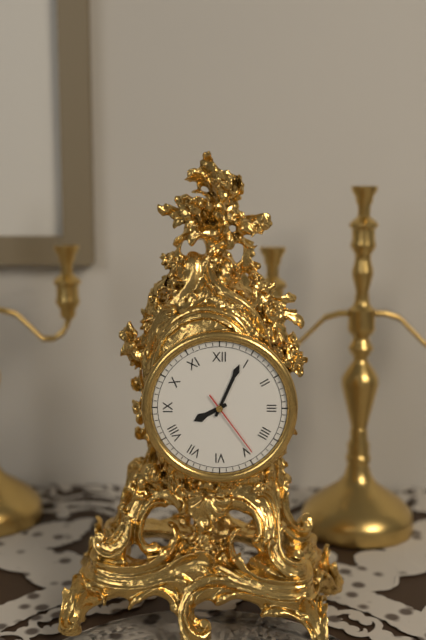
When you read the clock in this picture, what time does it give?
8:04:24
